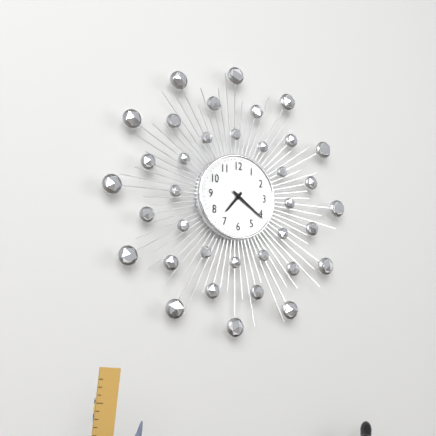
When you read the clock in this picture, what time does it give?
7:21
